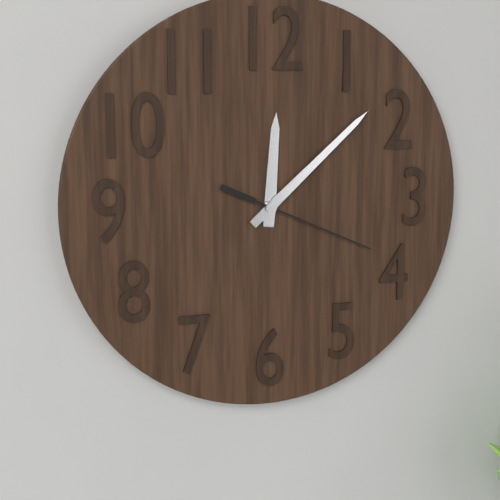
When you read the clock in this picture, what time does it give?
12:08:19
